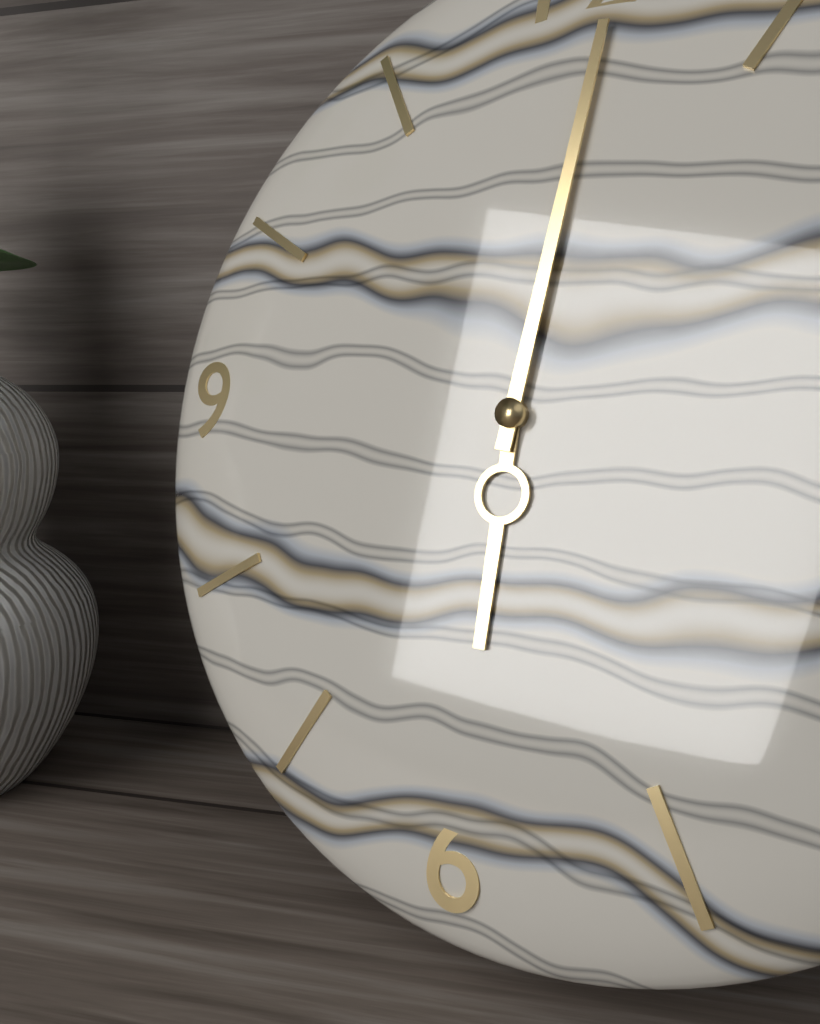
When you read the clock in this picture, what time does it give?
6:01
